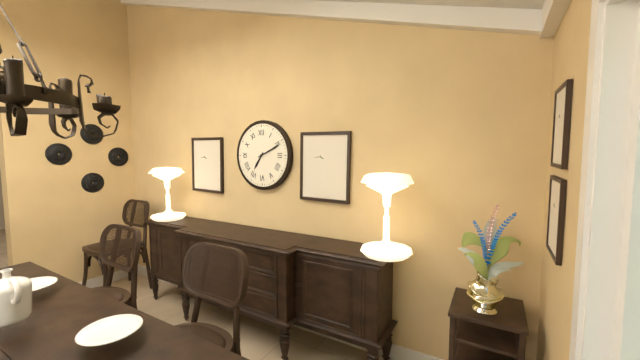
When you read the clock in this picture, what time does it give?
7:11
